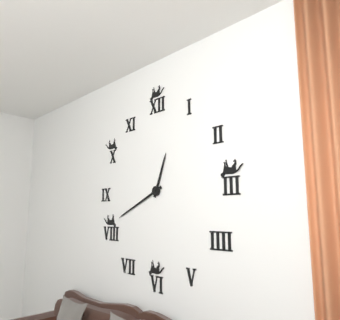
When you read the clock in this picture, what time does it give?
12:41
